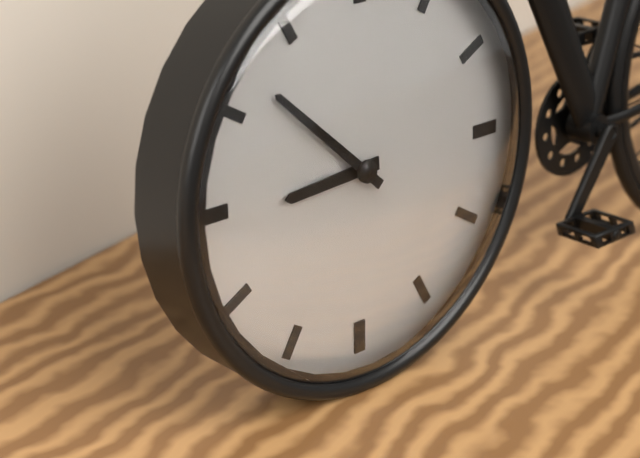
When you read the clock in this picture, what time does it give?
8:52
